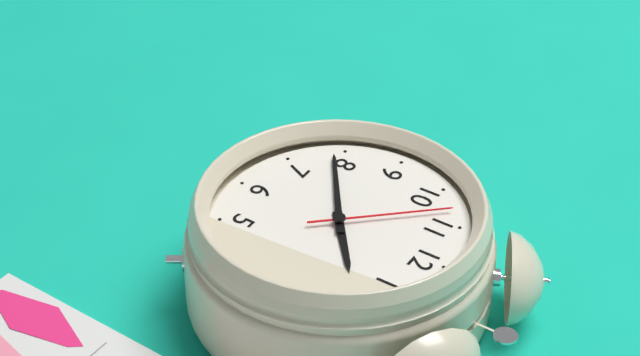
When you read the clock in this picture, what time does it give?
1:39:53
